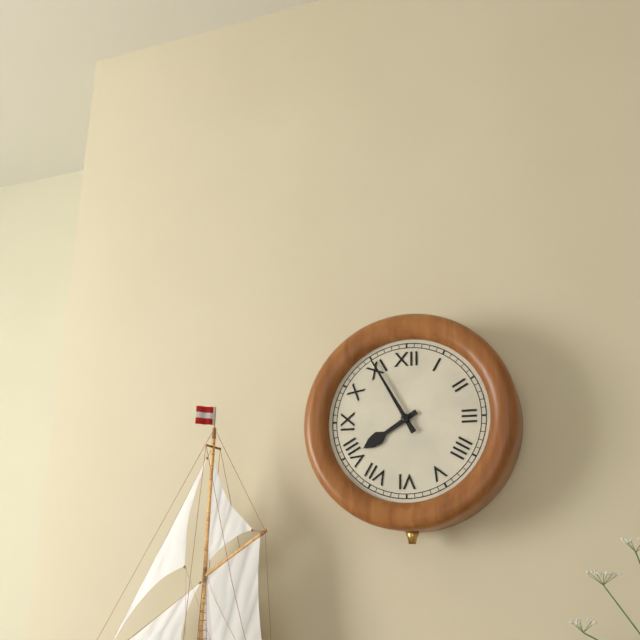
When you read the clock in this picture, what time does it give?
7:55
